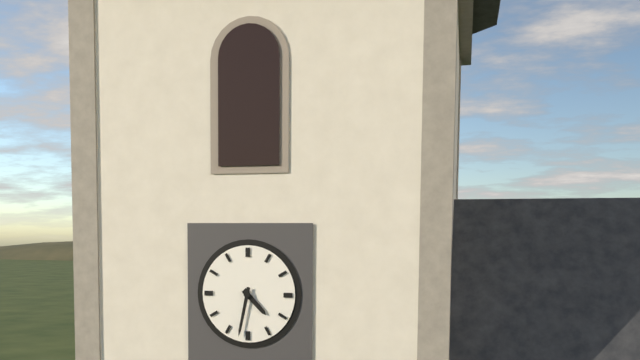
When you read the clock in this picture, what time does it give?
4:32
